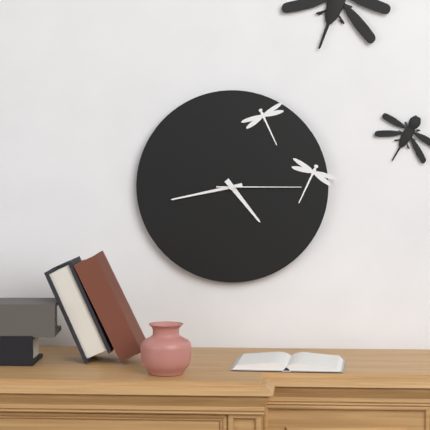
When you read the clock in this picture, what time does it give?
4:43:15
